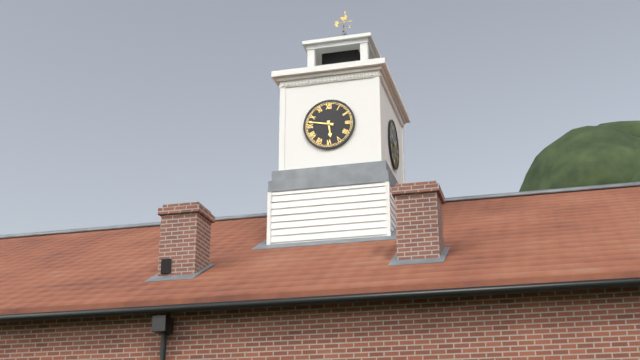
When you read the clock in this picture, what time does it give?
5:47
